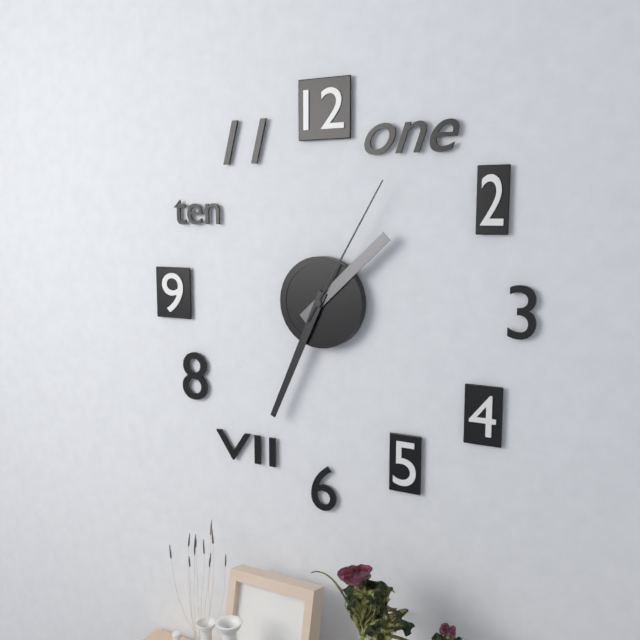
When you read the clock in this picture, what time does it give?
1:34:05
